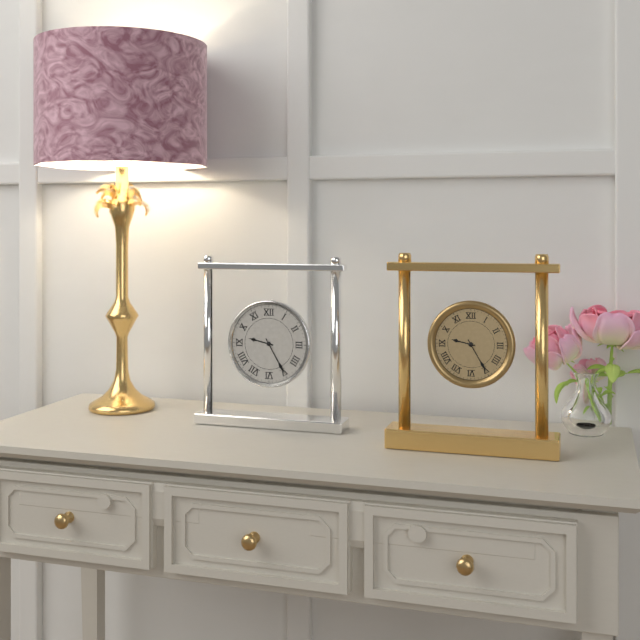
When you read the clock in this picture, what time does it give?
9:25
